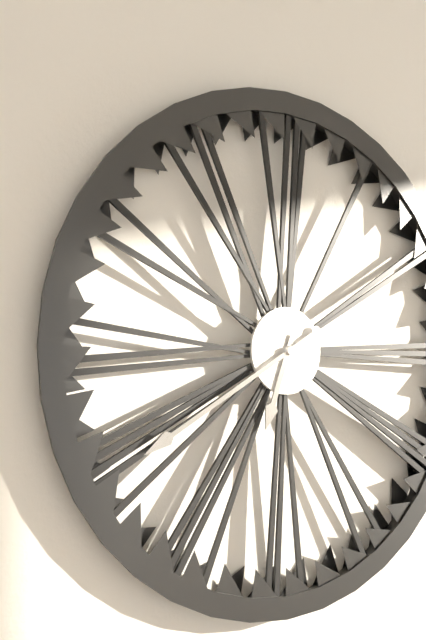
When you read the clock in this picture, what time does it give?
6:40
